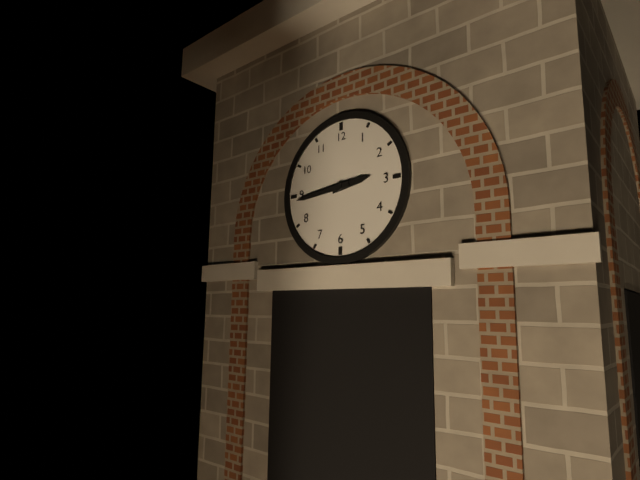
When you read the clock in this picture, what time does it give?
2:44
